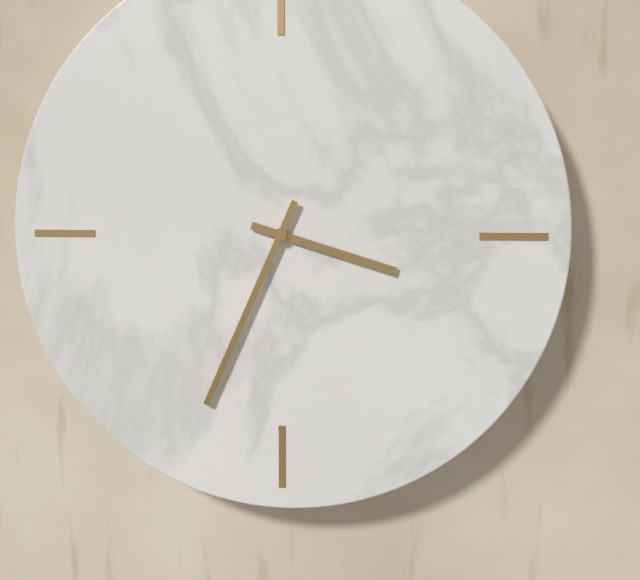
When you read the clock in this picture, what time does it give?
3:34
